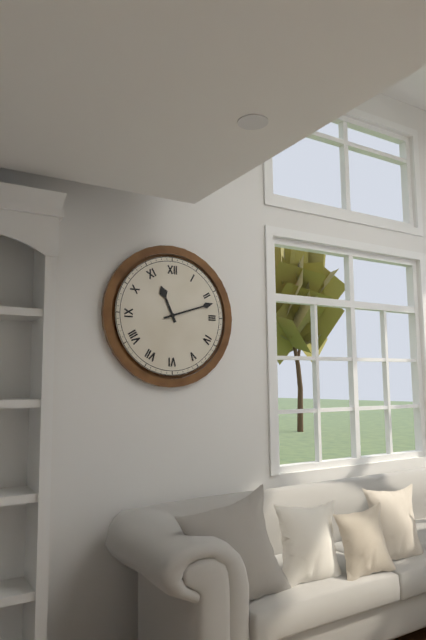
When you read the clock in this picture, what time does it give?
11:12
